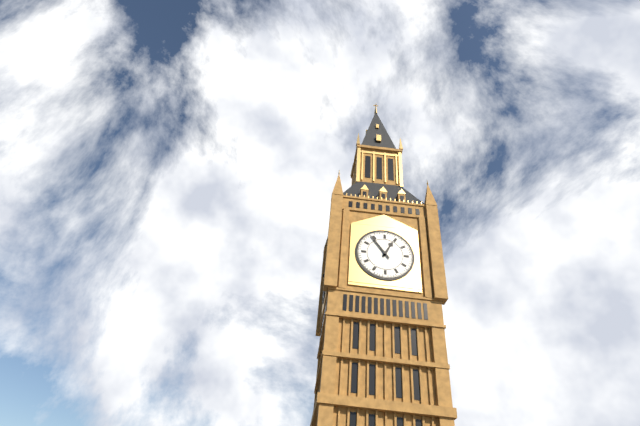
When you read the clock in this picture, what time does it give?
12:54
